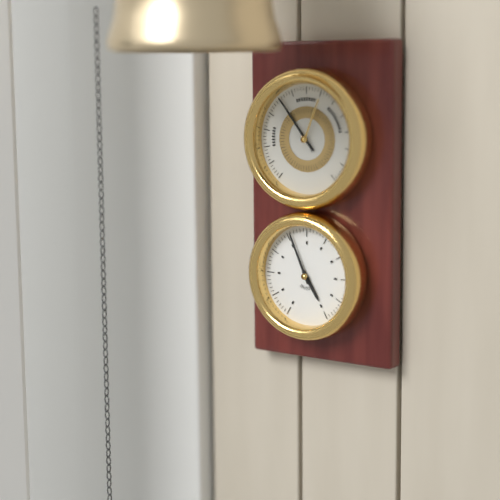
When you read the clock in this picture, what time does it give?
4:56
